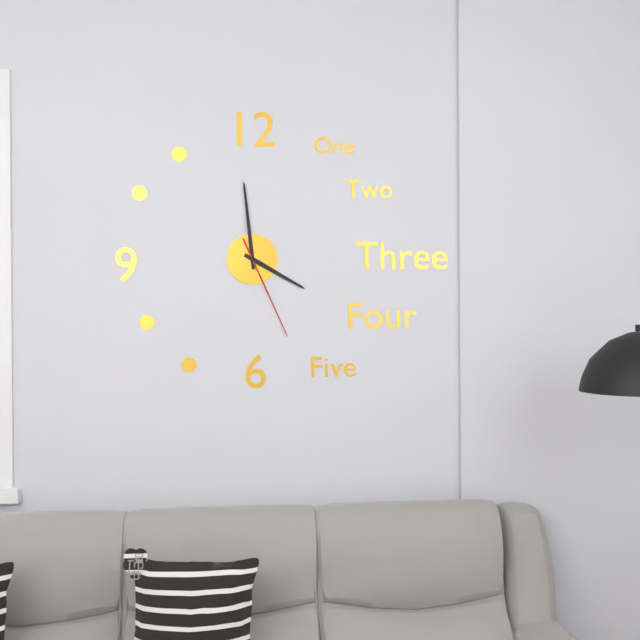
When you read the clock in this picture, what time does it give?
3:59:26
